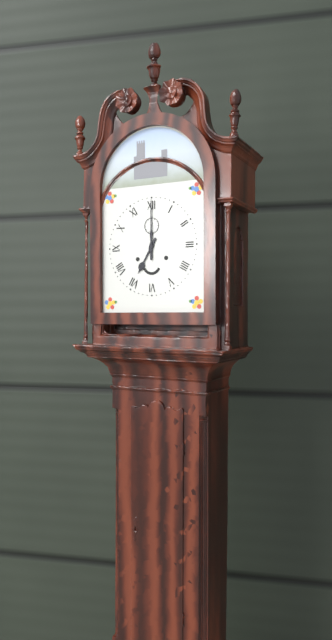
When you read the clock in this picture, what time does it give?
7:00
